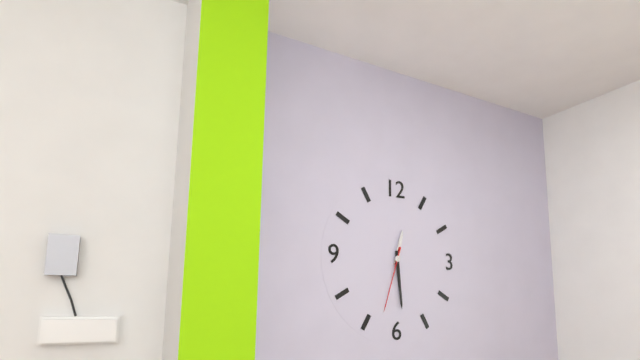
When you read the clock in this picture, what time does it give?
12:29:33
